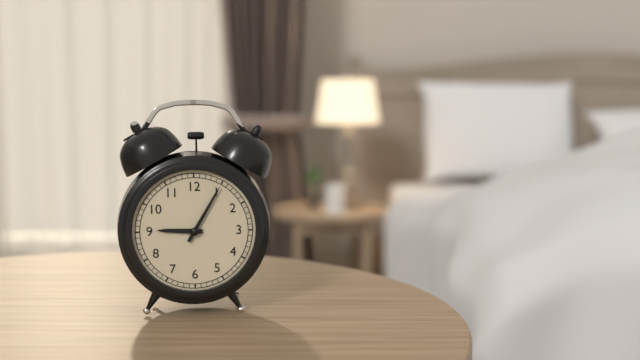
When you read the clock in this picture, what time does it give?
9:05
